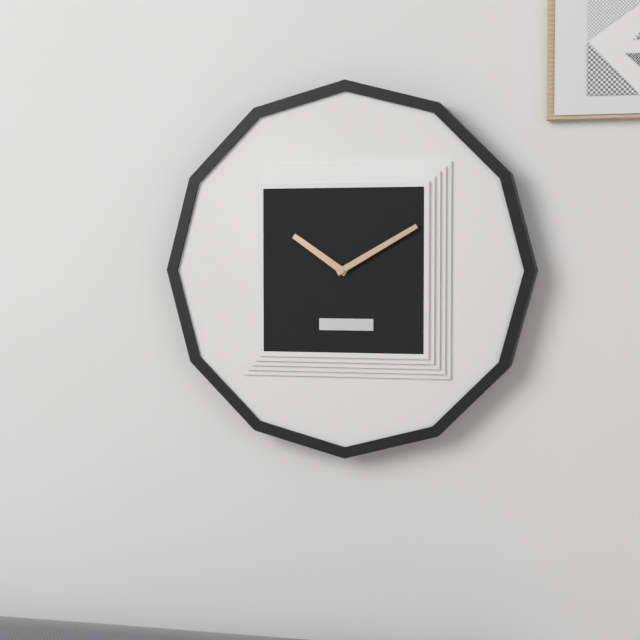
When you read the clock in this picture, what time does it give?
10:10
